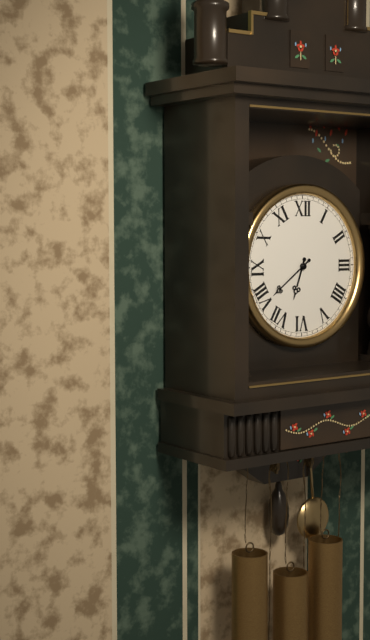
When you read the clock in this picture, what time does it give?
6:39
